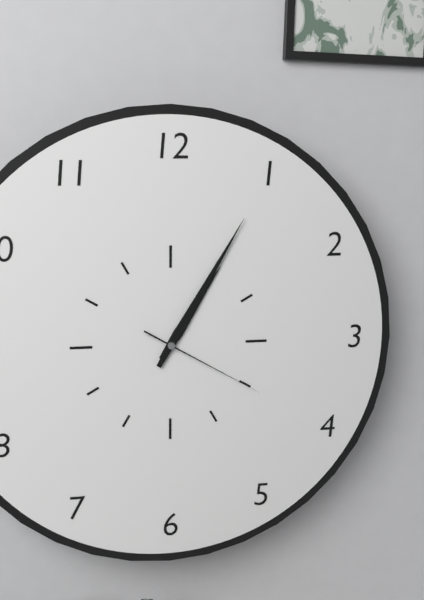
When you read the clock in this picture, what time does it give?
1:05:20
